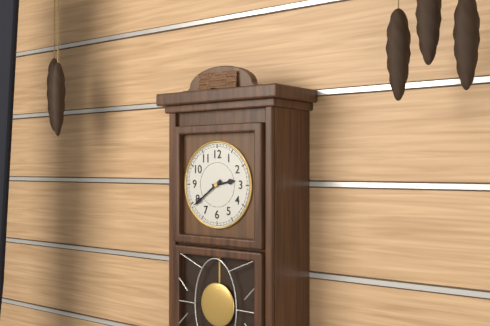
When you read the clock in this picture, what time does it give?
2:39
